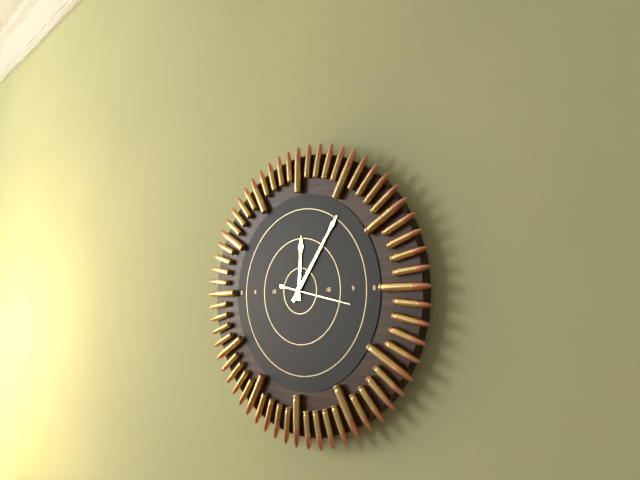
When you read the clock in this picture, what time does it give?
12:06:17
